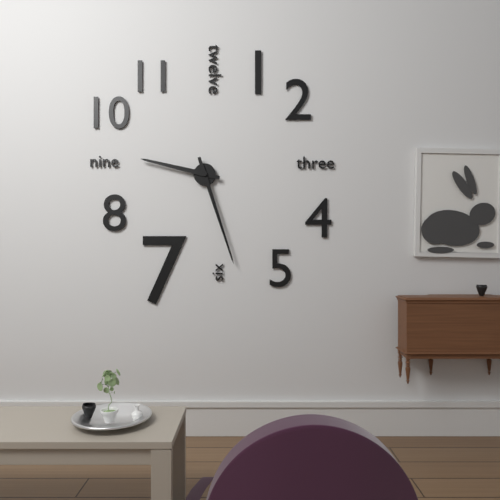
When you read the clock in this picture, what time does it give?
9:27
